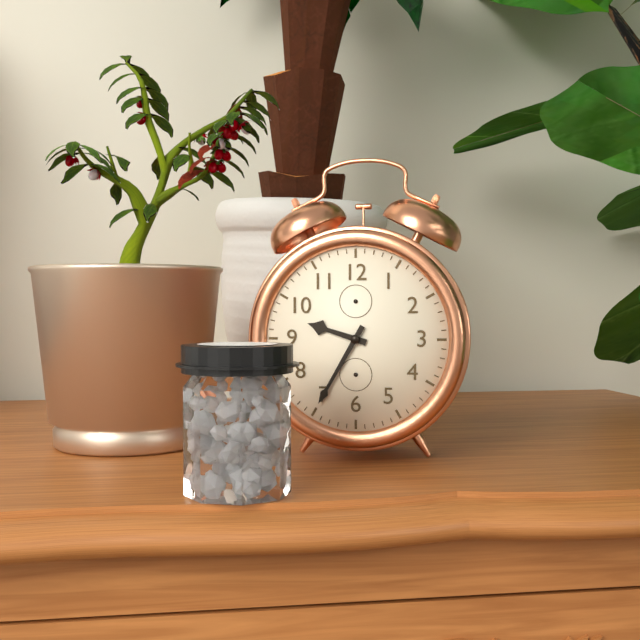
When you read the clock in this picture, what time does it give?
9:35
